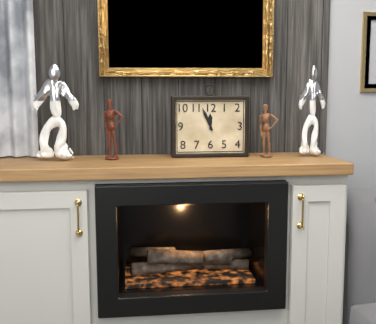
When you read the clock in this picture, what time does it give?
11:56
